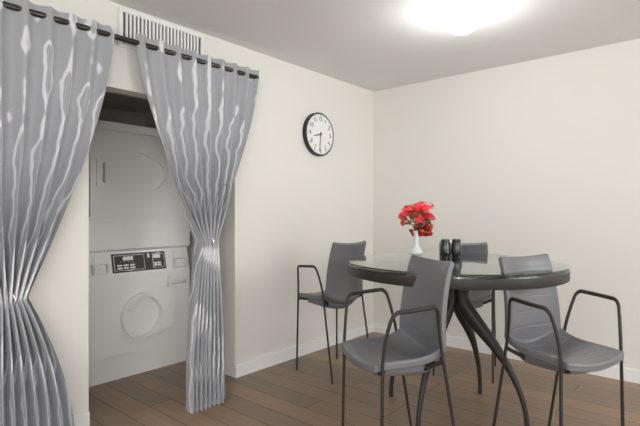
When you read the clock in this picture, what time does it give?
8:31
